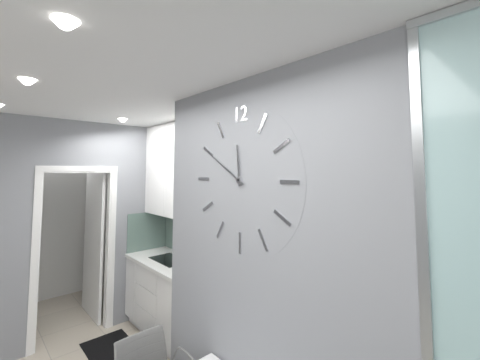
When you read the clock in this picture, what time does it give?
11:50
